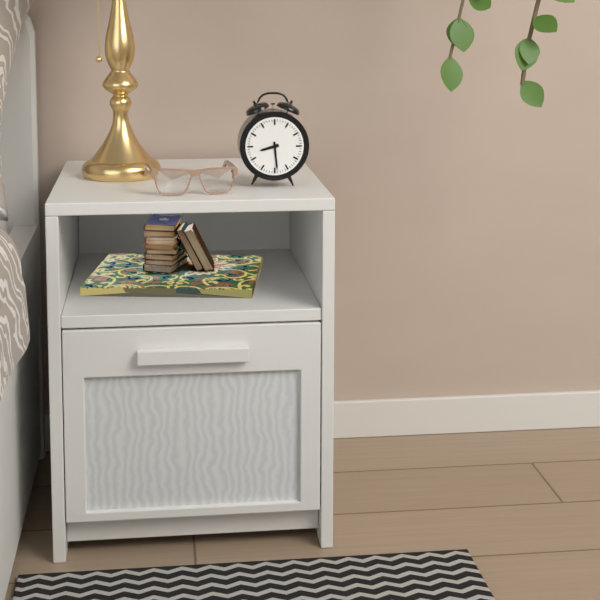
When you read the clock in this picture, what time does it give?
8:29
